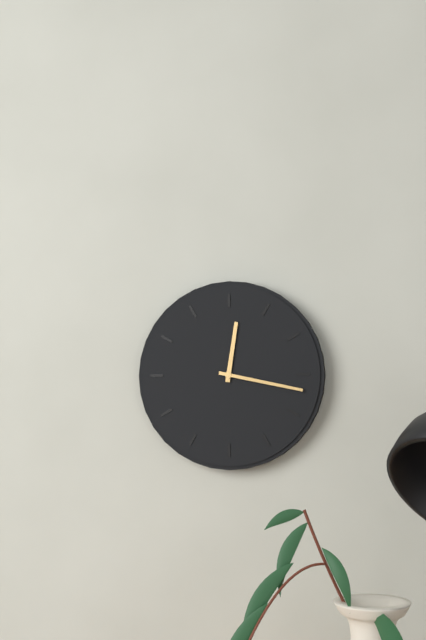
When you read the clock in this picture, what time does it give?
12:17
